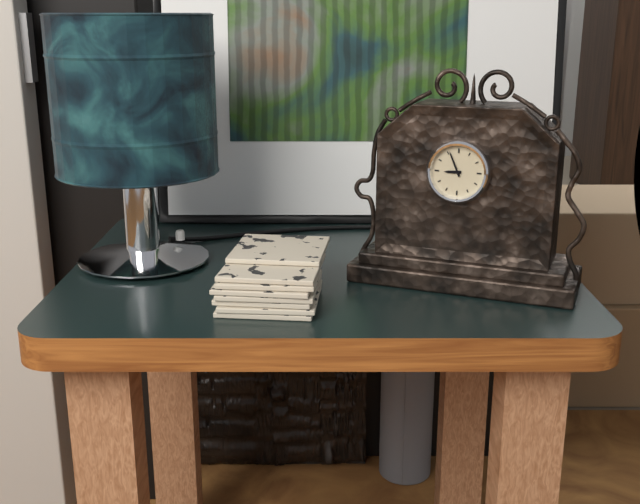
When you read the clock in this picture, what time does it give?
8:56
